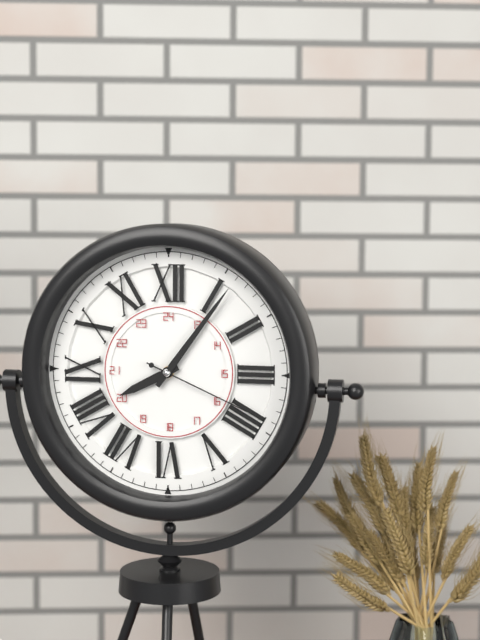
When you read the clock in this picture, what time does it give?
8:06:19
